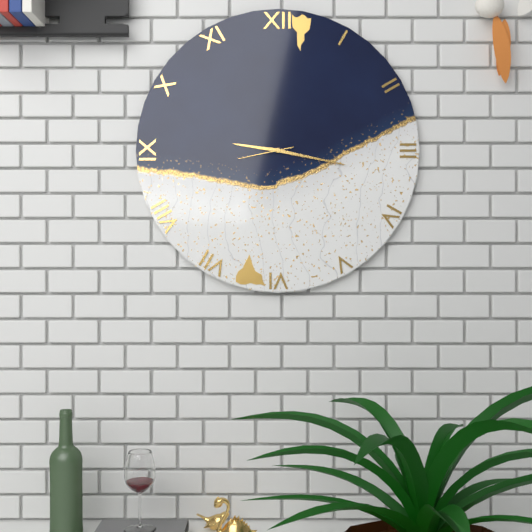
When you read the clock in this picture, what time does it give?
9:17:43
